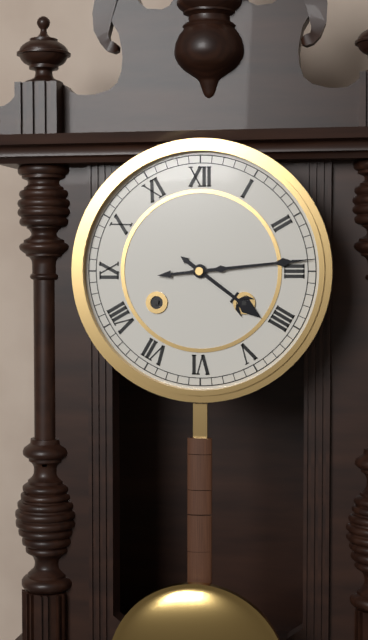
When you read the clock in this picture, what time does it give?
4:14
